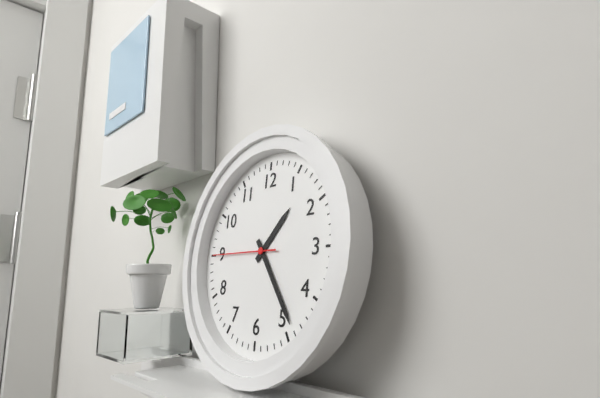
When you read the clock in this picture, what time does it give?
1:24:45
